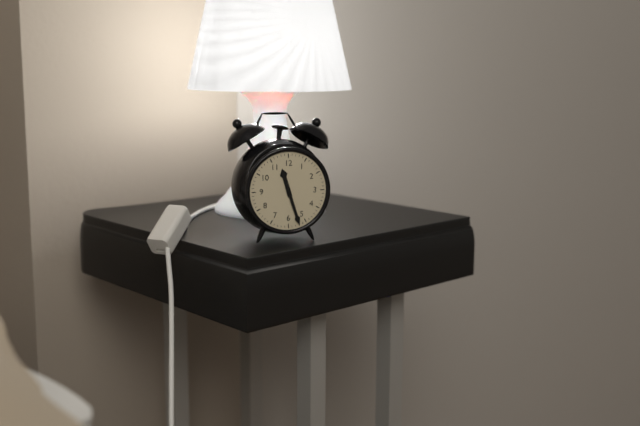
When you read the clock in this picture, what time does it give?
11:27
